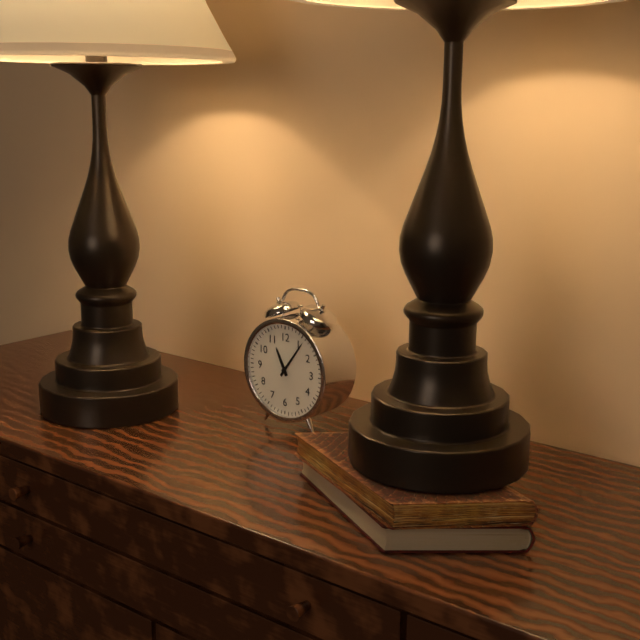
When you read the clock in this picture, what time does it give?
11:06
